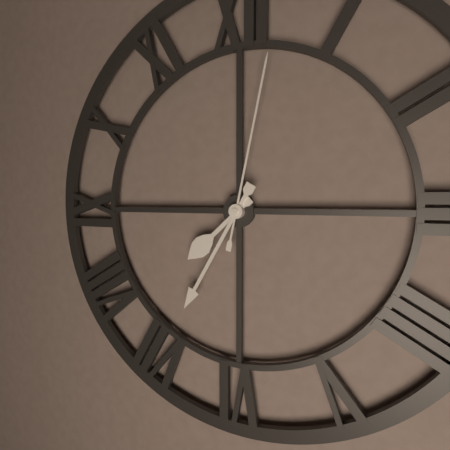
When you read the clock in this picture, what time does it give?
7:35:02
